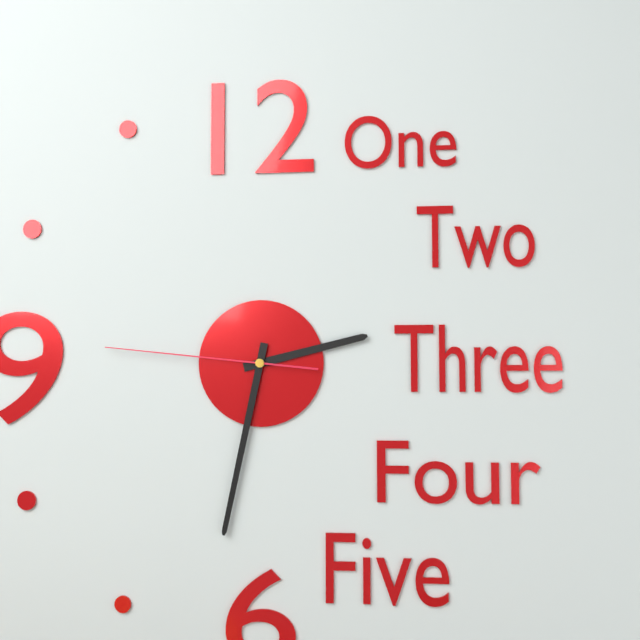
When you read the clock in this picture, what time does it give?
2:32:46
